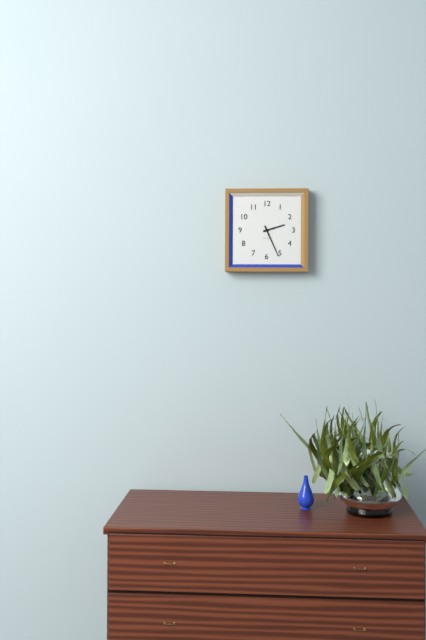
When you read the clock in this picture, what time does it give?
2:26
